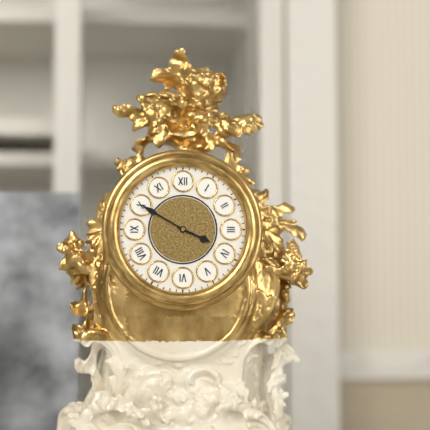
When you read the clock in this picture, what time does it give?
3:50
